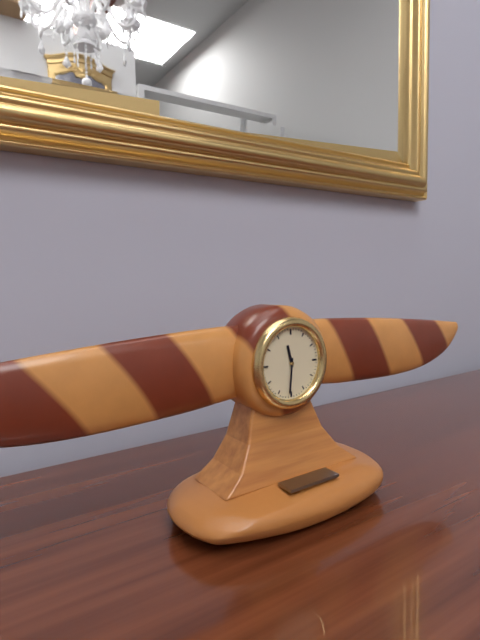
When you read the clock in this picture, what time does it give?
11:31
